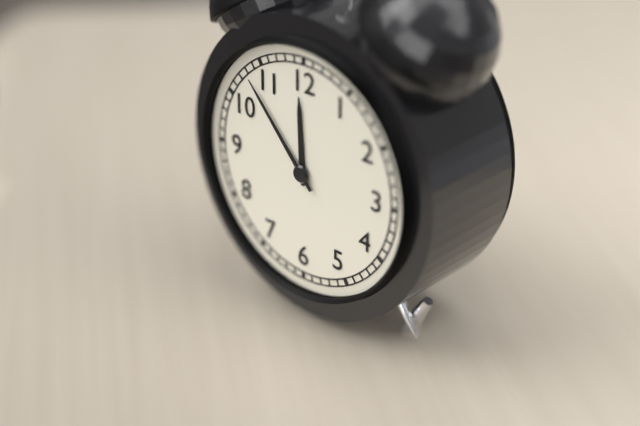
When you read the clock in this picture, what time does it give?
11:53
